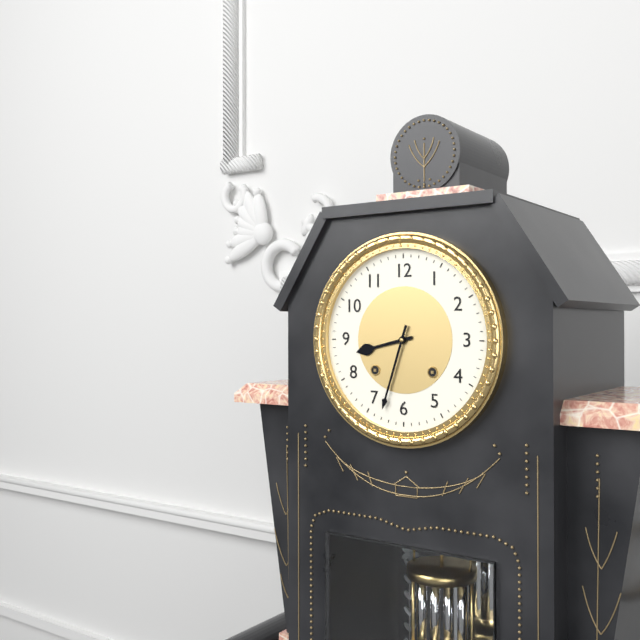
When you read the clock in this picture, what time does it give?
8:33
